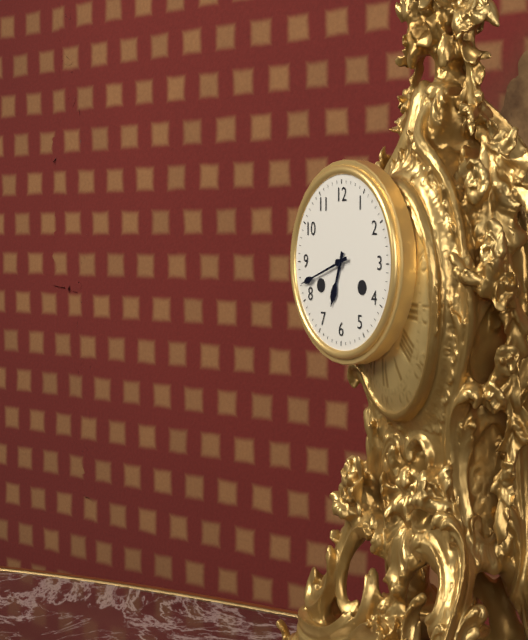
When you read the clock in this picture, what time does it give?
6:42
